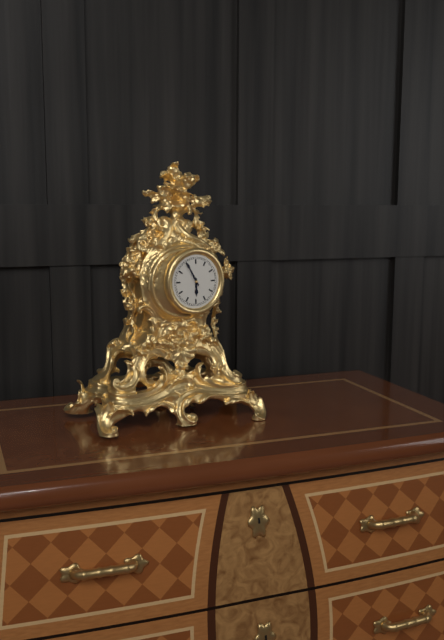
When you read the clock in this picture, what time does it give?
5:55
